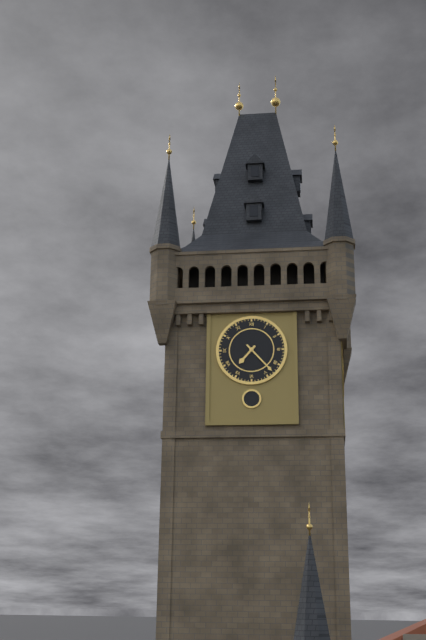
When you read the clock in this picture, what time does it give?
7:23
